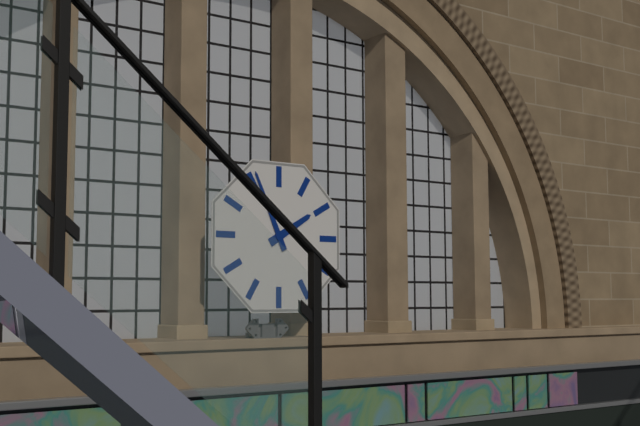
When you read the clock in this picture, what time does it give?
1:56
